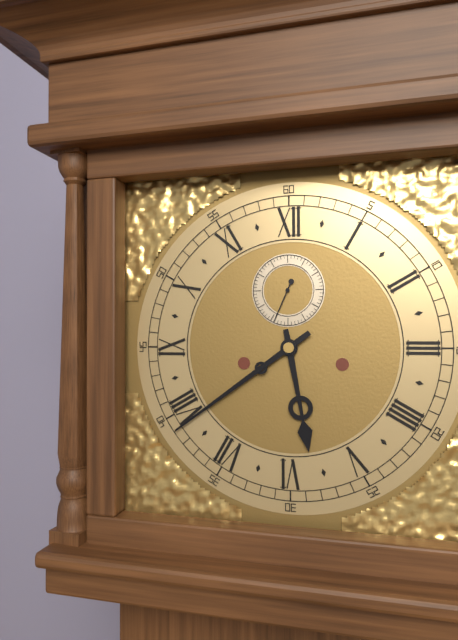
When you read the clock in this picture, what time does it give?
5:39
